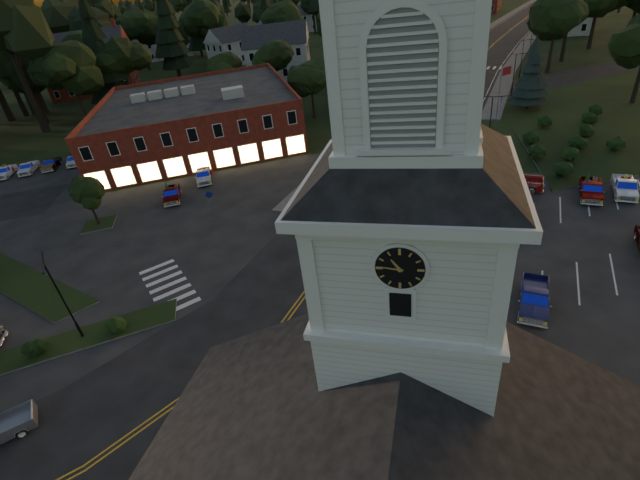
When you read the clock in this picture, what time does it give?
10:46
